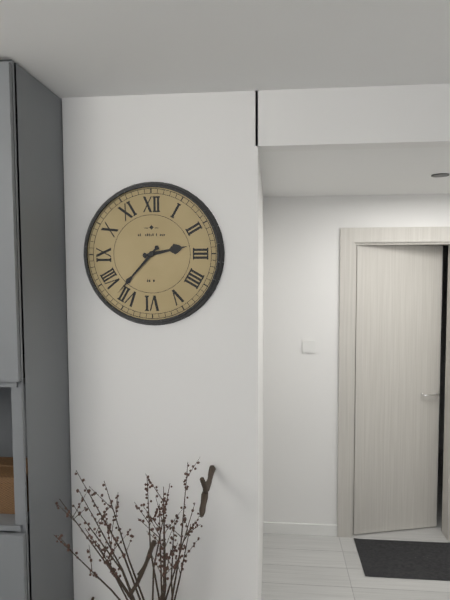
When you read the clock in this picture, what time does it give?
2:37
